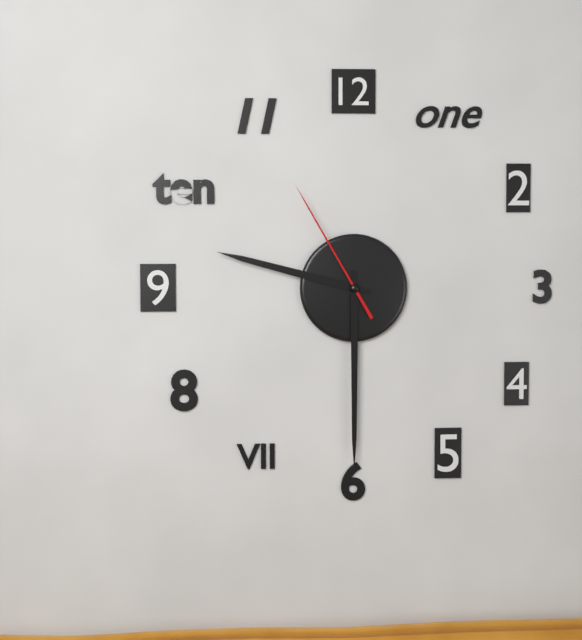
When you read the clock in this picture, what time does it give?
9:30:55
